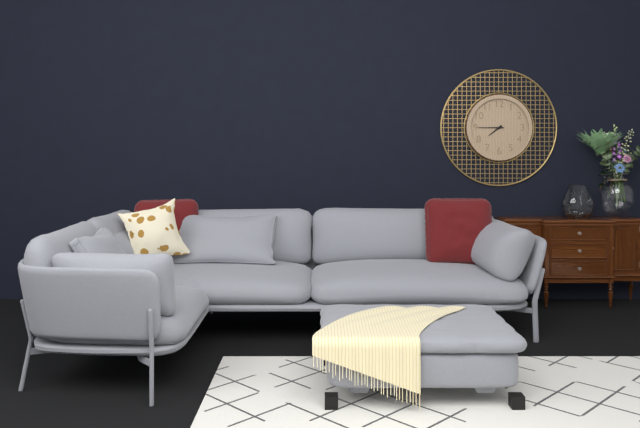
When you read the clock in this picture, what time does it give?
7:45
